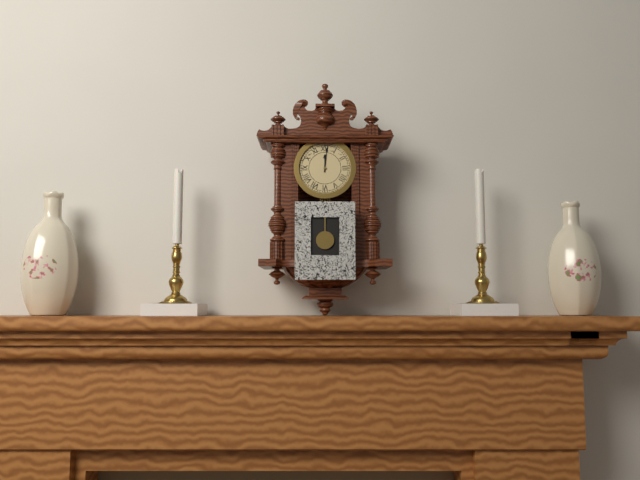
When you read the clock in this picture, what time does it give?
12:01
